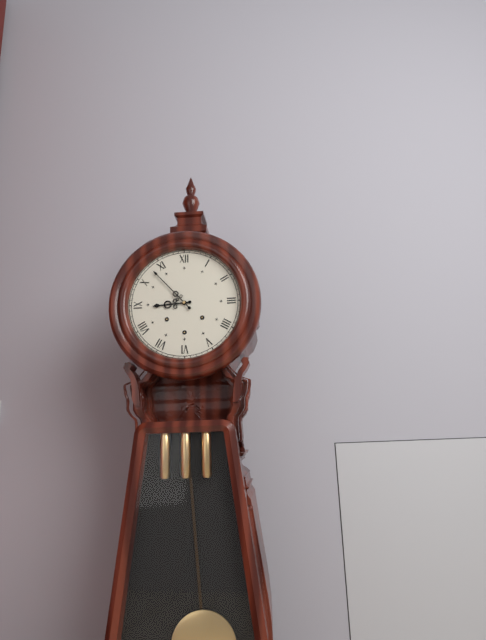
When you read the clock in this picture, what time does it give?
8:53
